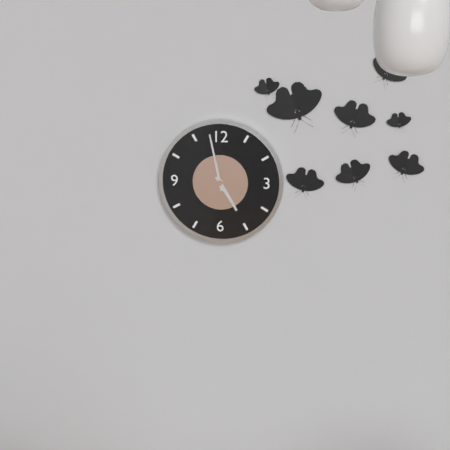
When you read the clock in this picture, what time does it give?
4:58
